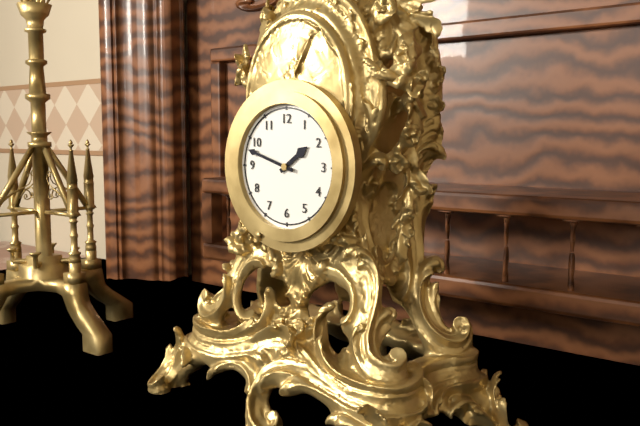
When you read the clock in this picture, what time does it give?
1:48
